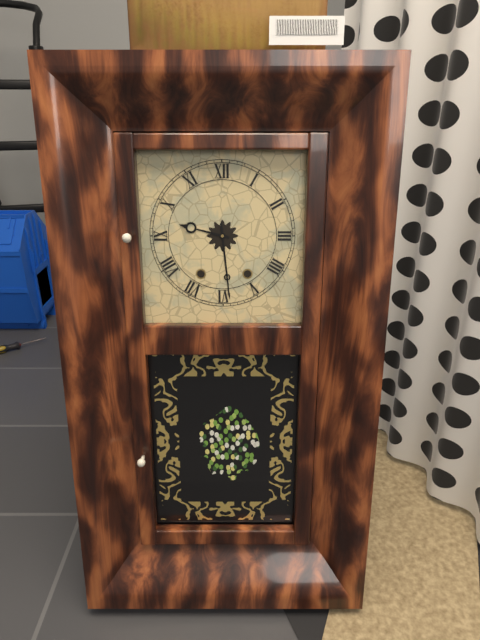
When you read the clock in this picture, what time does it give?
9:29
